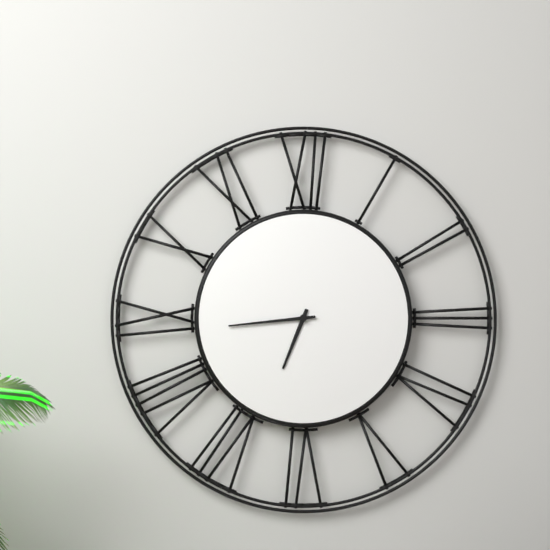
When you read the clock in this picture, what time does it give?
6:44
